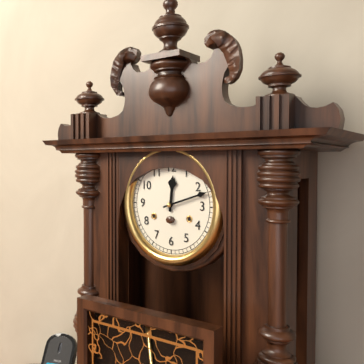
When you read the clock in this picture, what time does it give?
12:12
